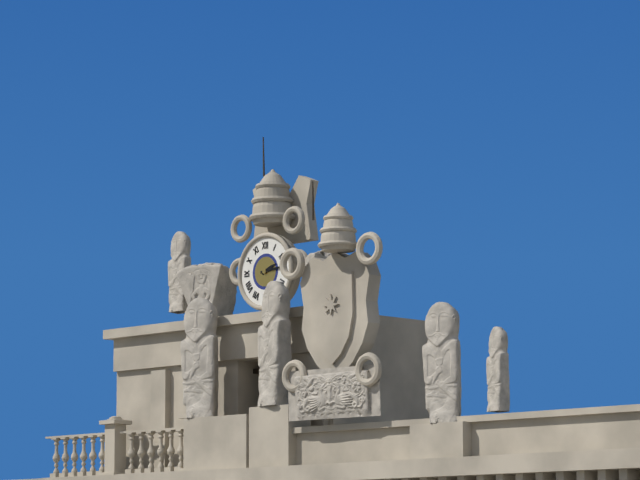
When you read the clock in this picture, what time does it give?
2:14
